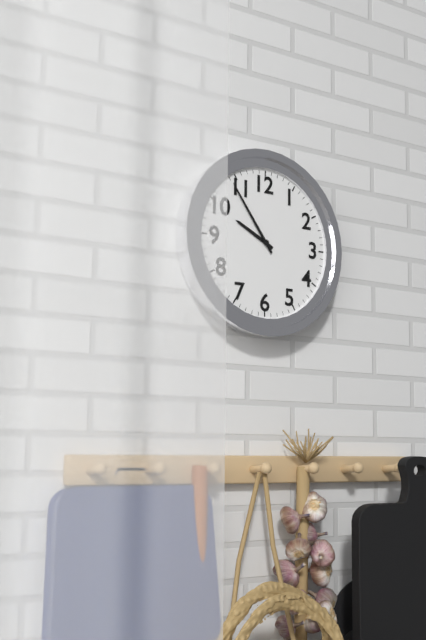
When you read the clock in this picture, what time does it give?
9:54
